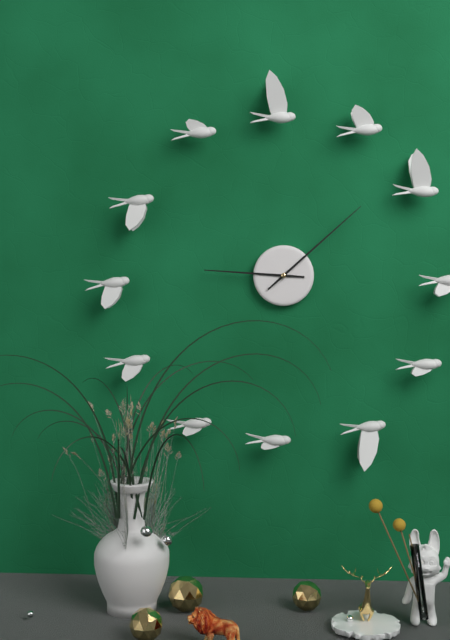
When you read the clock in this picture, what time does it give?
9:08
